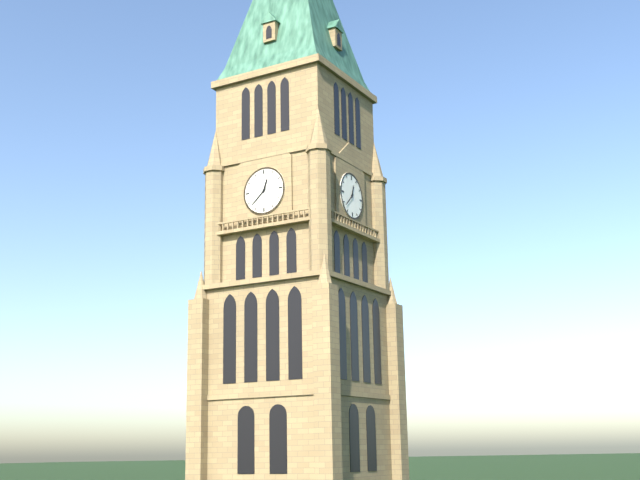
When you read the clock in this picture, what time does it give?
12:38
